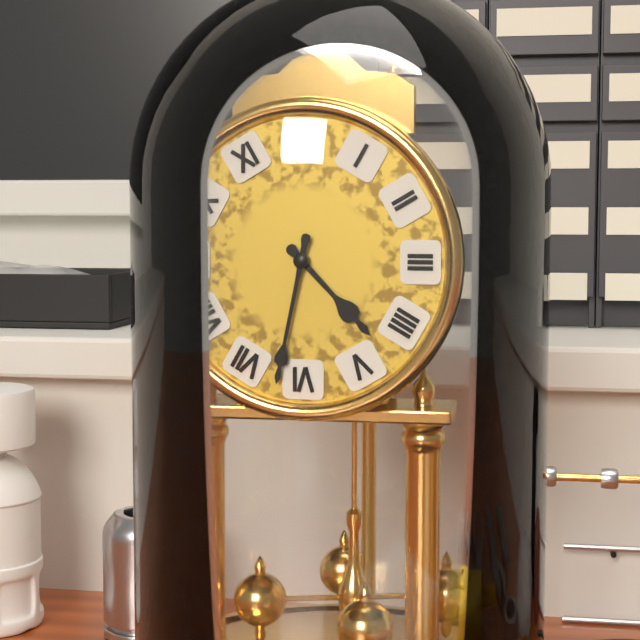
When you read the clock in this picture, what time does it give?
4:32
